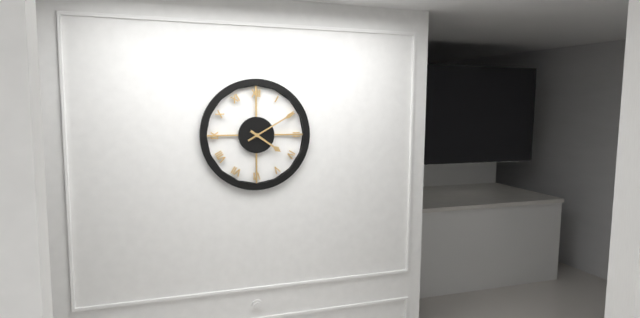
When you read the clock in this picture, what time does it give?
4:10
